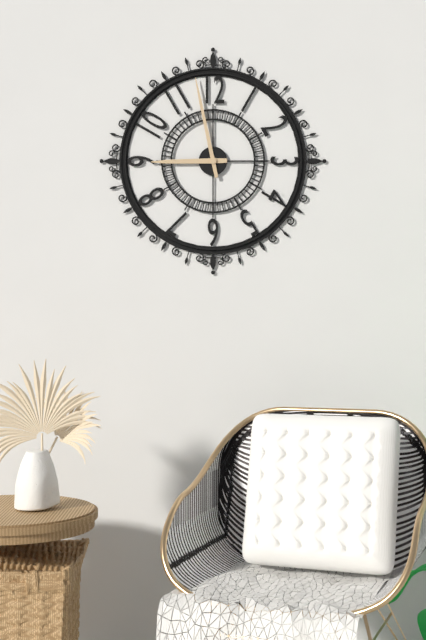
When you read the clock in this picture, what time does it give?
8:58
